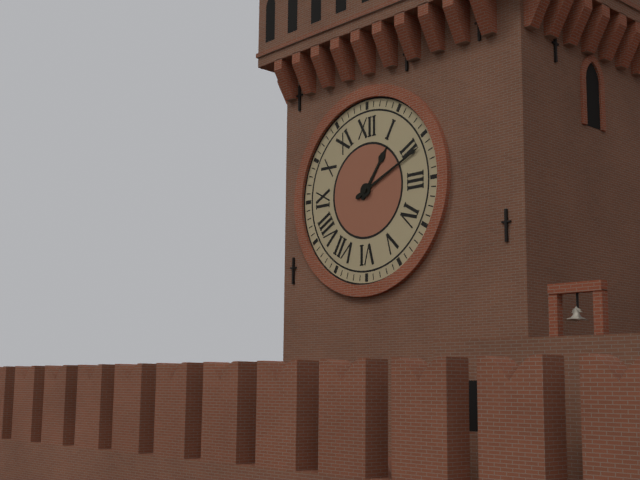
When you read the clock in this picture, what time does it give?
1:11
